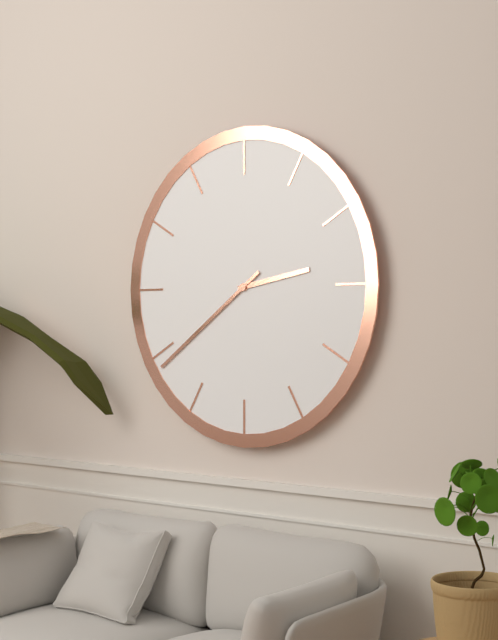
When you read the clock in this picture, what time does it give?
2:39
